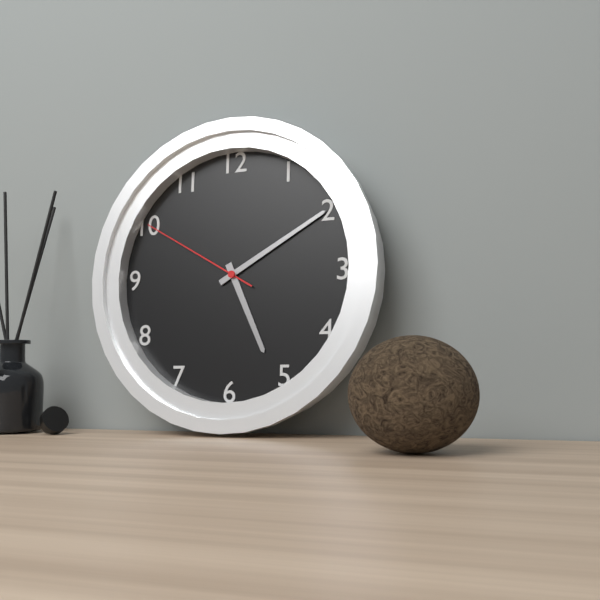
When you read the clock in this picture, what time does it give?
5:10:50
